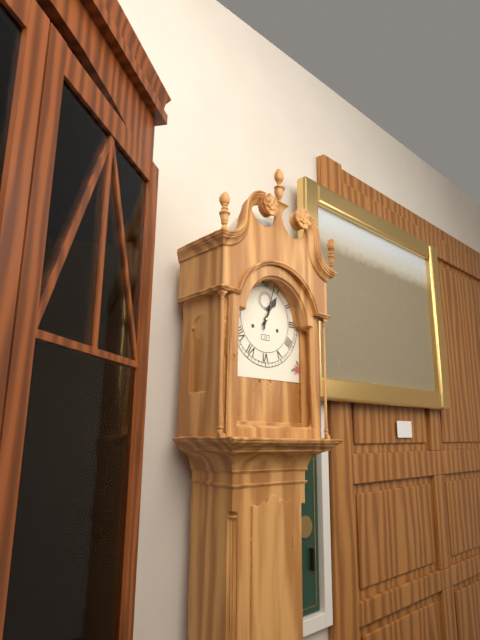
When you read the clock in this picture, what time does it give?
1:03
